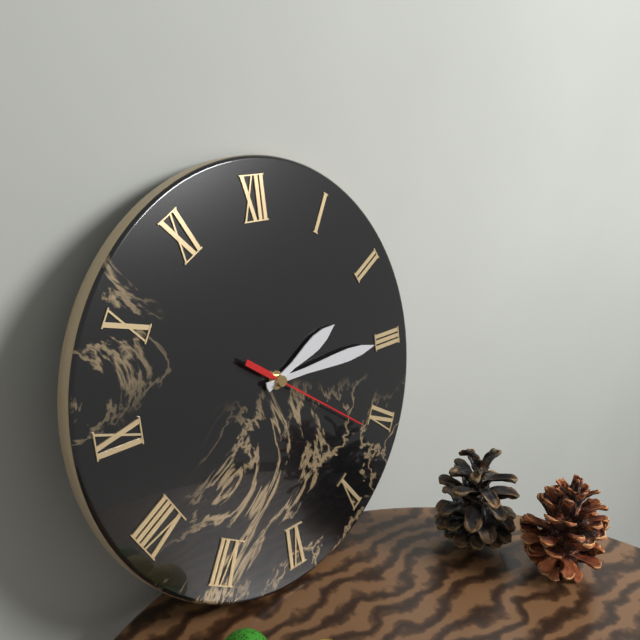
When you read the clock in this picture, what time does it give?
2:15:21
